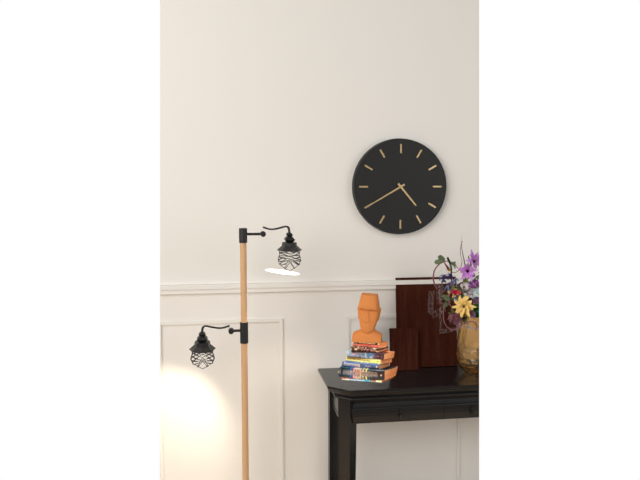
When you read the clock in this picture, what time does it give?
4:40
